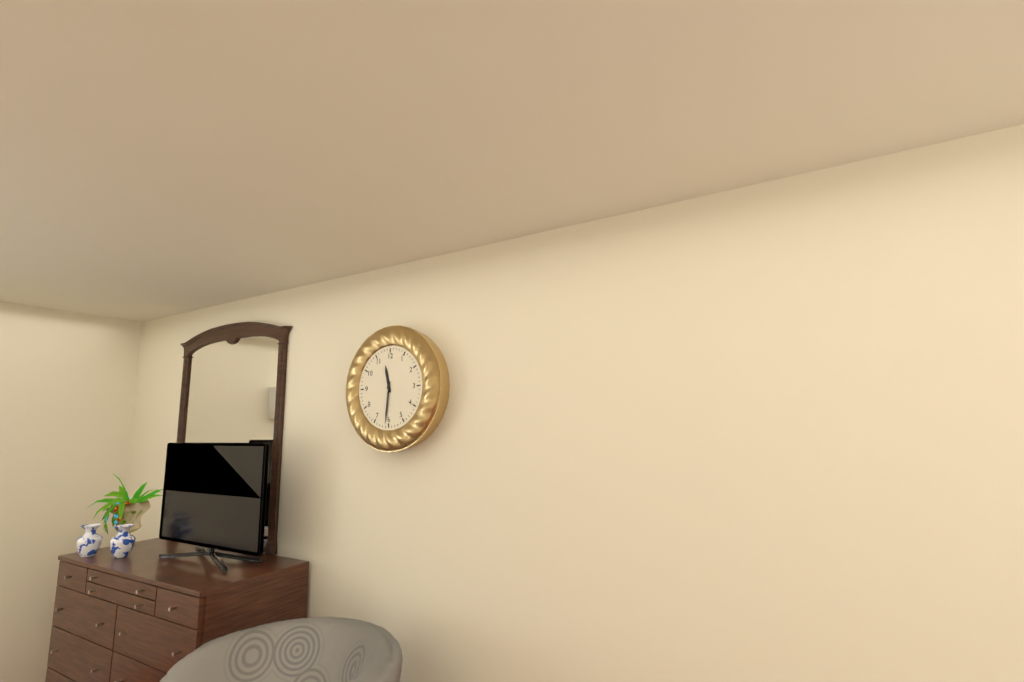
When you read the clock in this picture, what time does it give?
11:31
